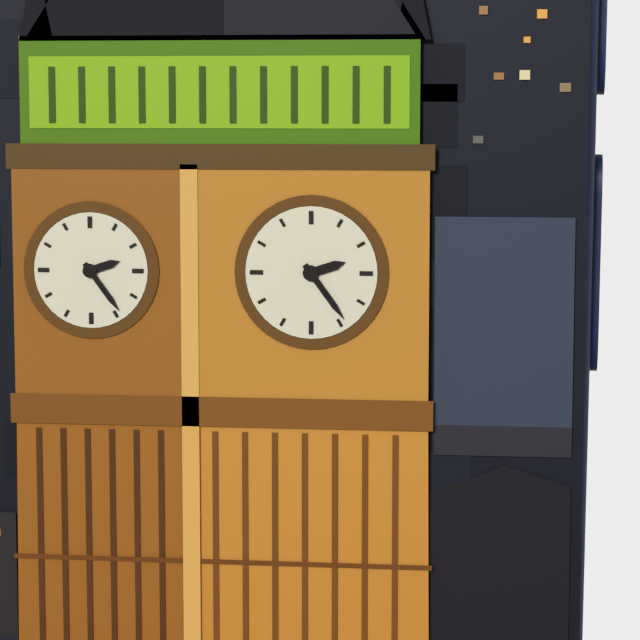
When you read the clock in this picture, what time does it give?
2:24
